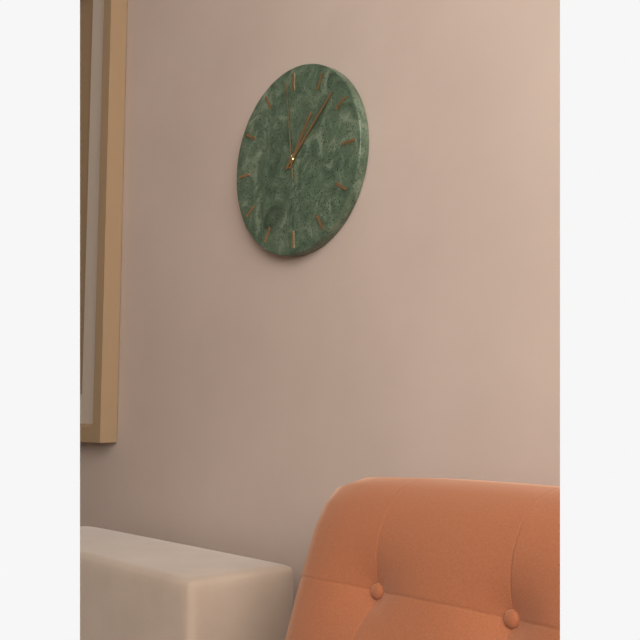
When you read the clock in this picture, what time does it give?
1:08:59
